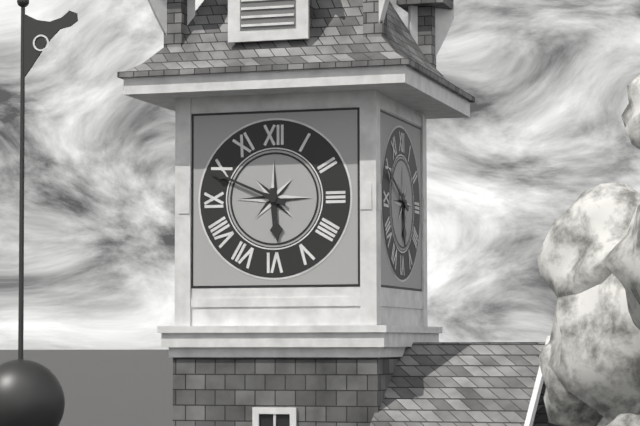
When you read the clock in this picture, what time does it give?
5:49
